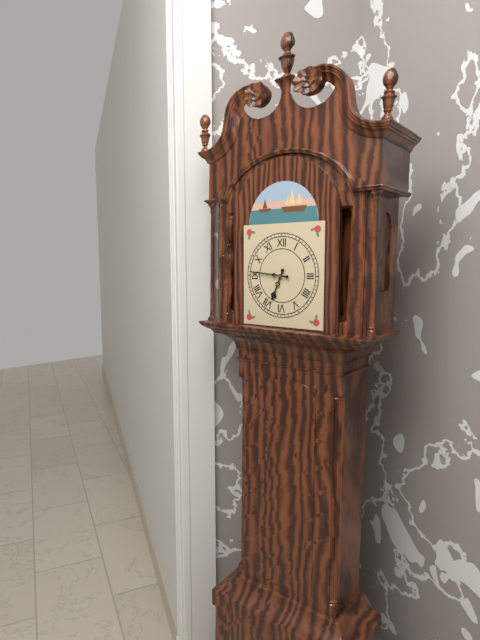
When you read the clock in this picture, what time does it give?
6:46
